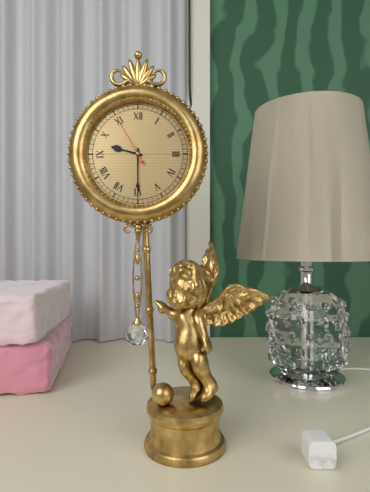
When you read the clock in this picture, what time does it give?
9:30:55
